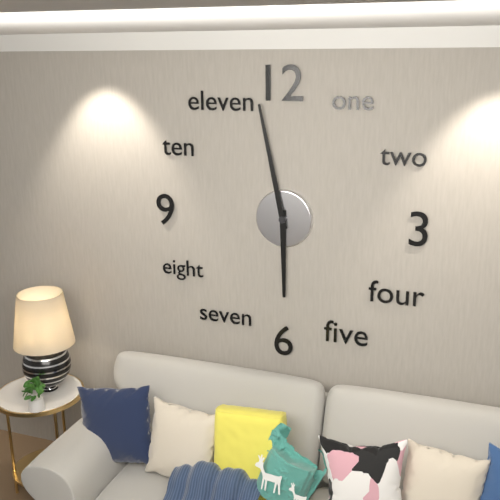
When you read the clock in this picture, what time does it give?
5:58
